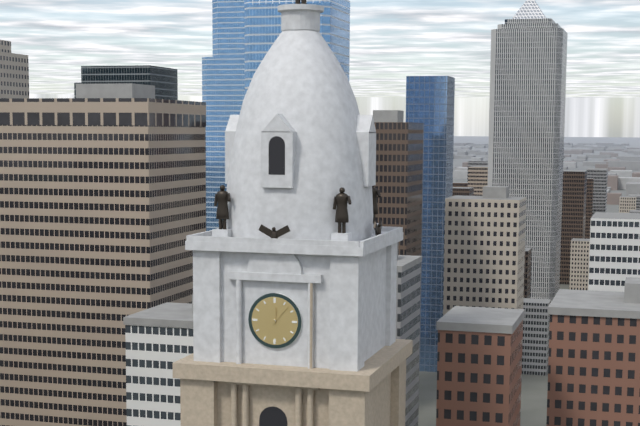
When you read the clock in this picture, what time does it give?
12:07
